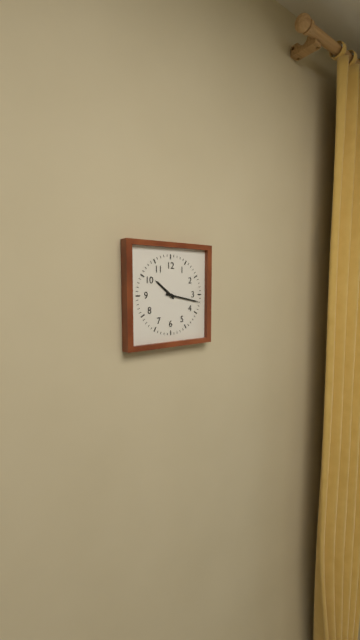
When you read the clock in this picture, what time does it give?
10:17
